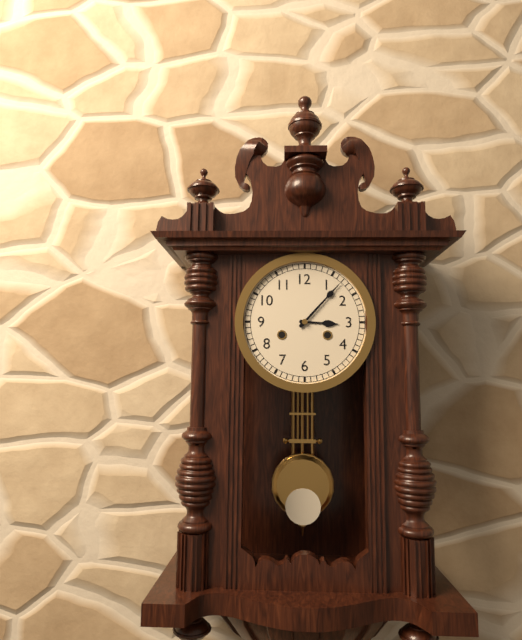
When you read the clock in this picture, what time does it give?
3:07
